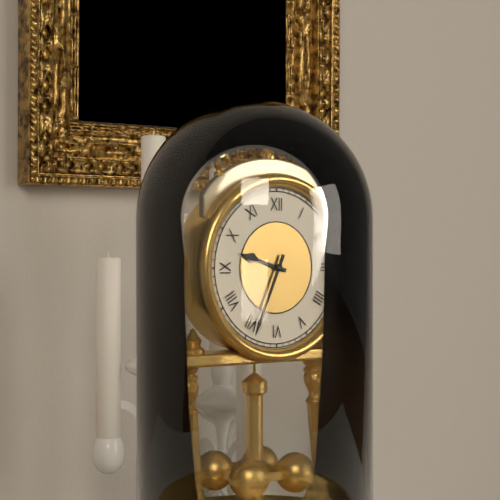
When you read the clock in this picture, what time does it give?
9:34
